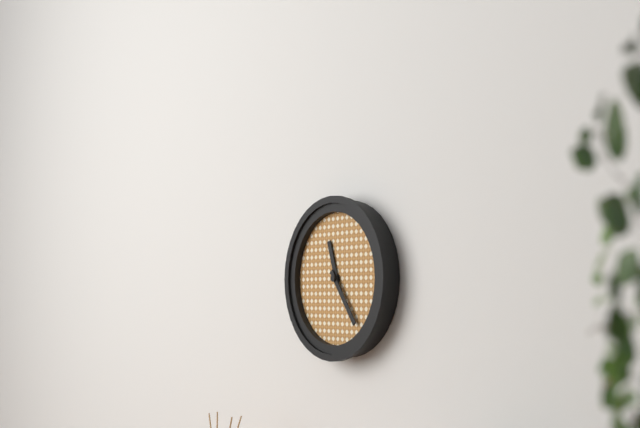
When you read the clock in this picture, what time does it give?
11:24
